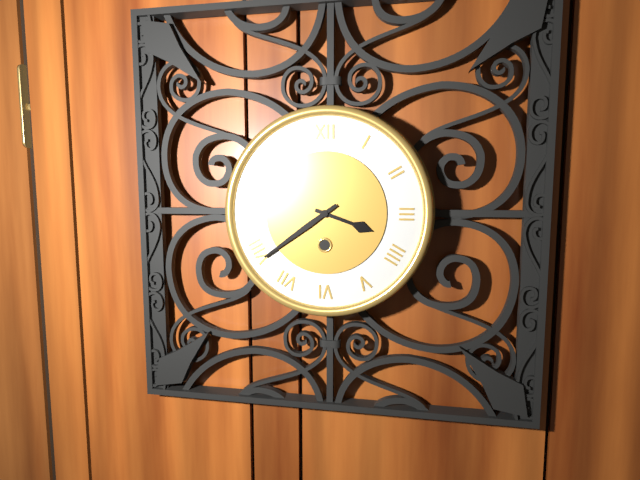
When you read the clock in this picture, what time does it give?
3:39
